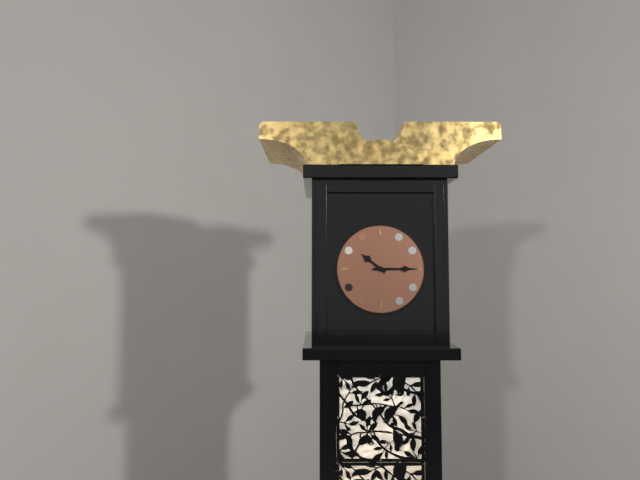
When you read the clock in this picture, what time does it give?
10:15
